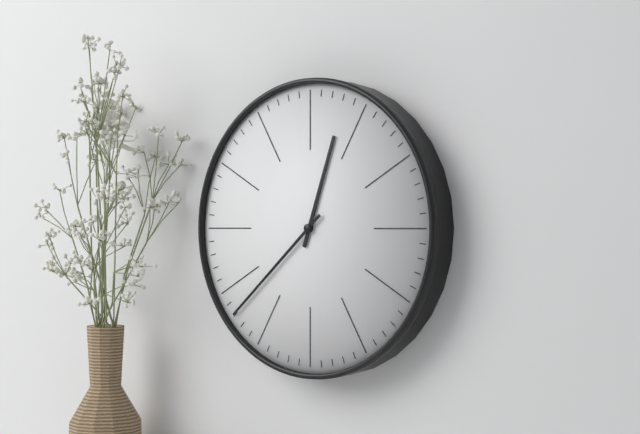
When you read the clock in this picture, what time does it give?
12:38
